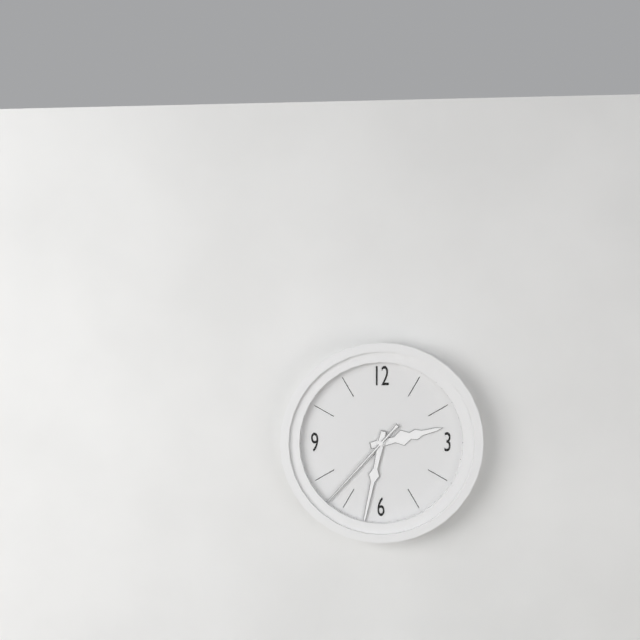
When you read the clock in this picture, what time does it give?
2:32:37
